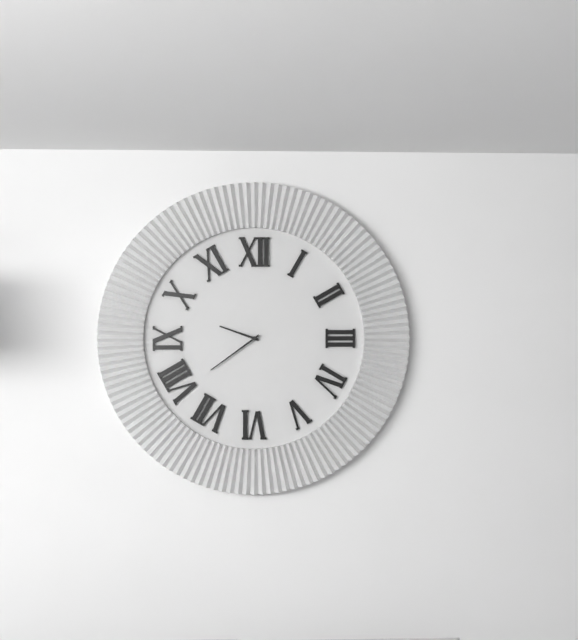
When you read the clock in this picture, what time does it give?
9:39
